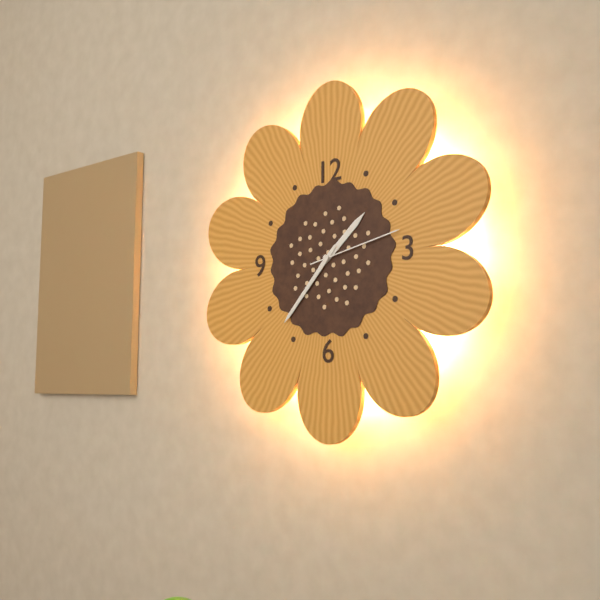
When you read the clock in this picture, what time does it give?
1:37:13
